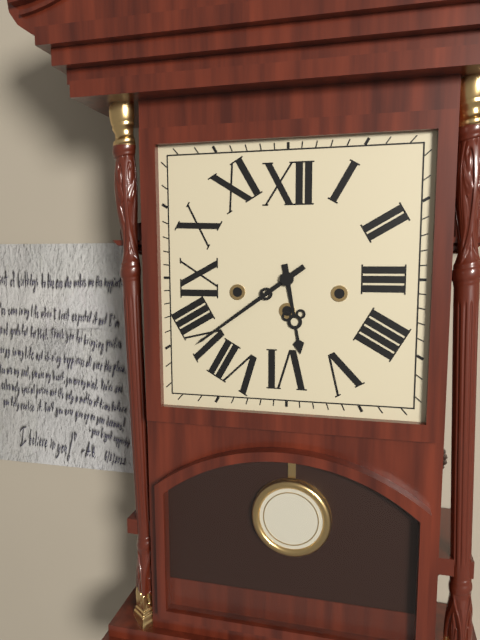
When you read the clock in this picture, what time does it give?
5:39
